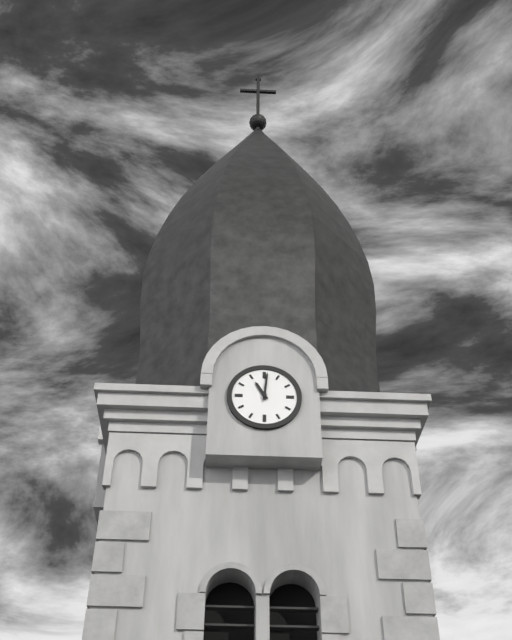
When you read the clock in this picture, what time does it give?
11:01
